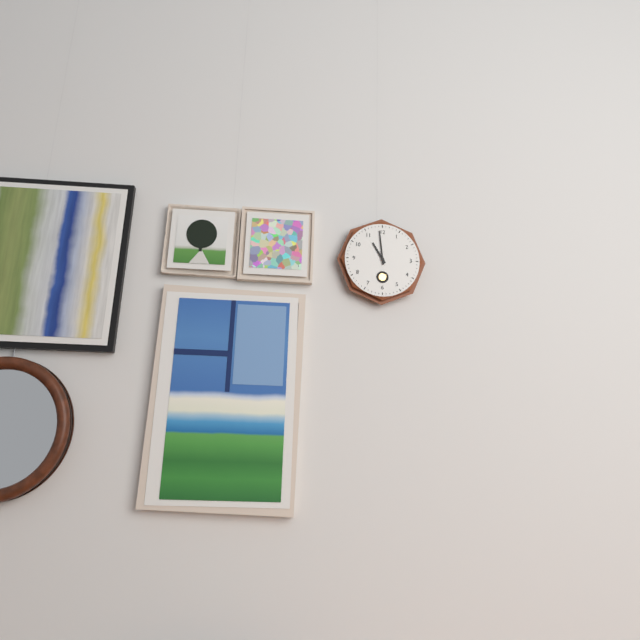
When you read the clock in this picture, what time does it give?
10:59
